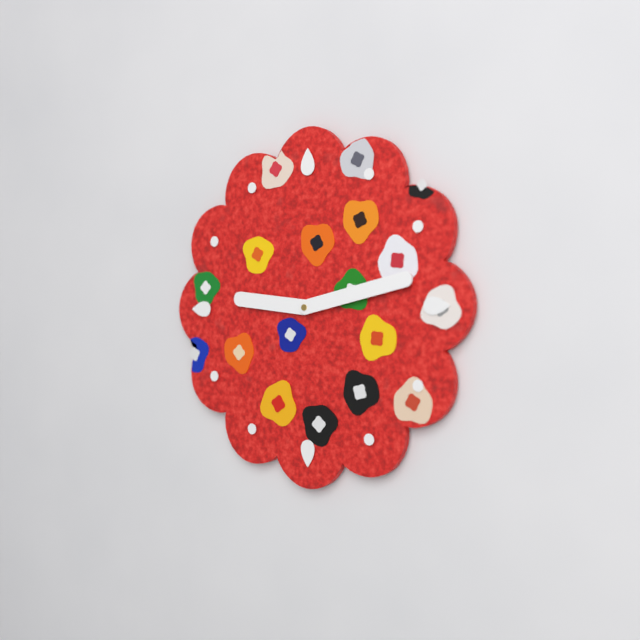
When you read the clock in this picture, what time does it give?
9:13
